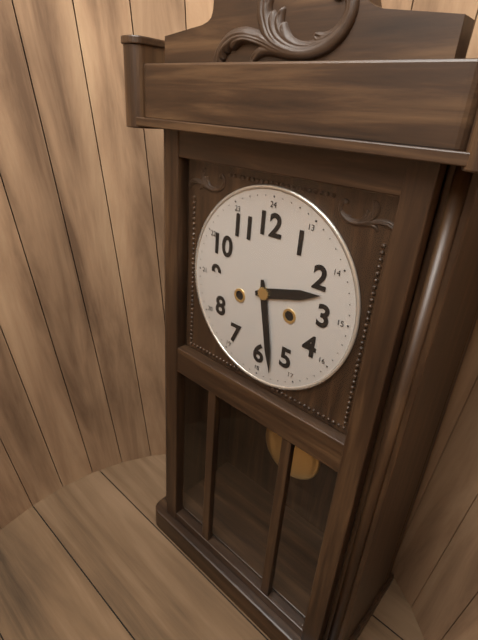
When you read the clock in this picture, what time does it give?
2:28
